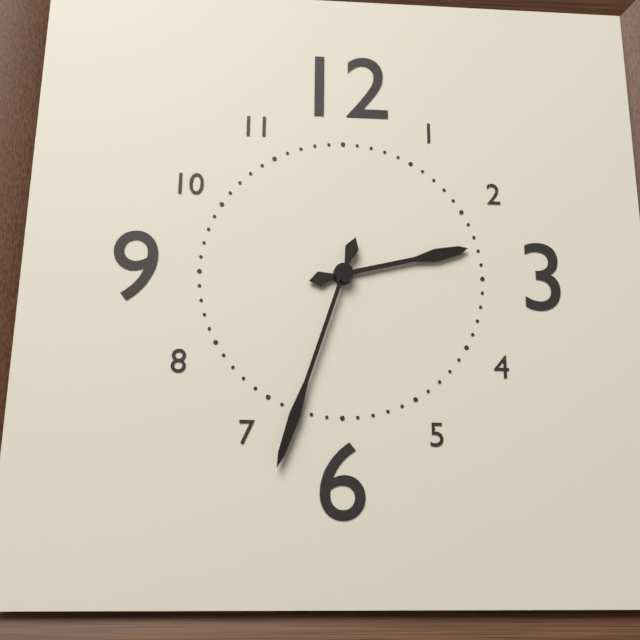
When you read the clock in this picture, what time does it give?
2:33
